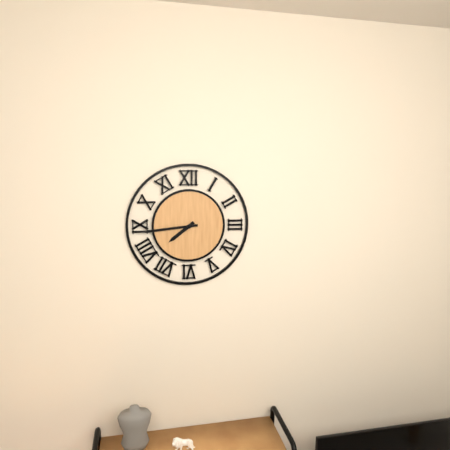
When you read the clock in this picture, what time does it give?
7:44
